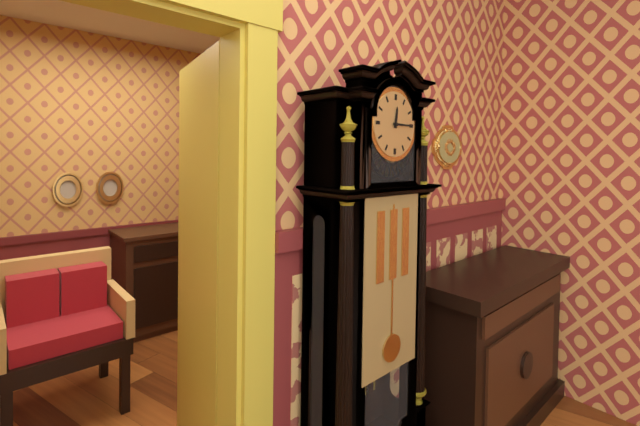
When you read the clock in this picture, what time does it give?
12:15
